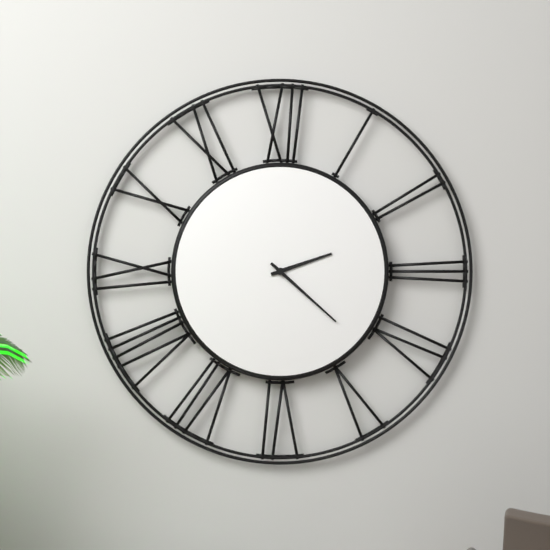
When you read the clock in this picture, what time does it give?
2:22
